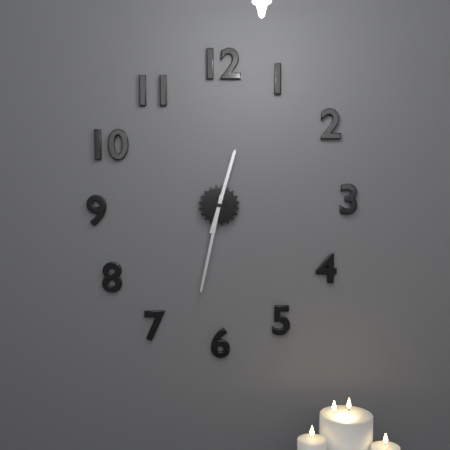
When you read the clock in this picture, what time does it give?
12:32
